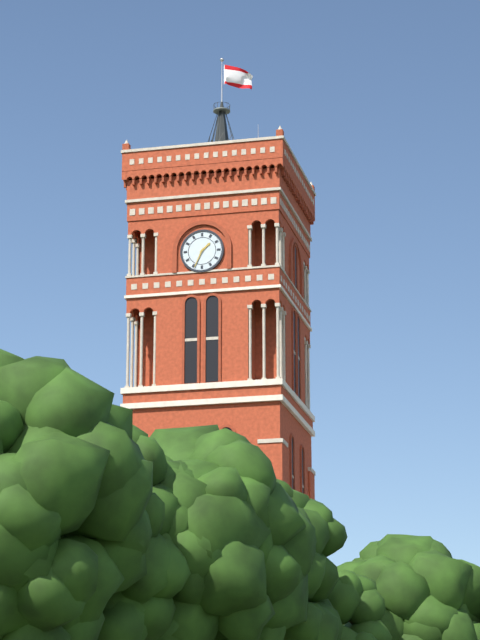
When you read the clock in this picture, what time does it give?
1:34
